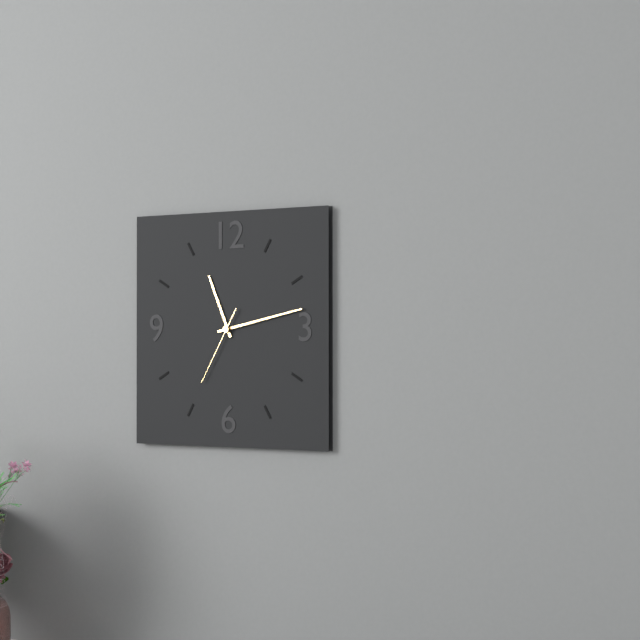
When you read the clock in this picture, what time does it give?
11:13:35
